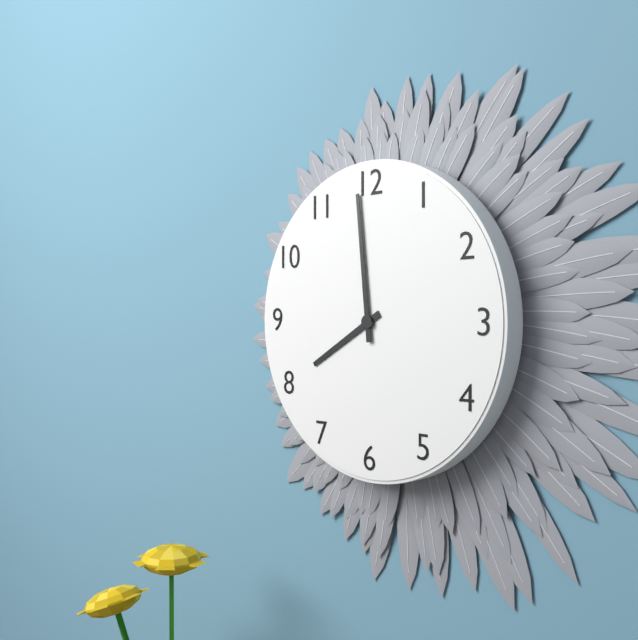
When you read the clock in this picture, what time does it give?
7:59
